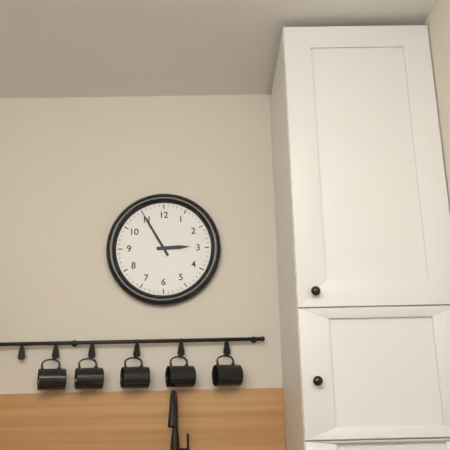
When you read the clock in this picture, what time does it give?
2:55
